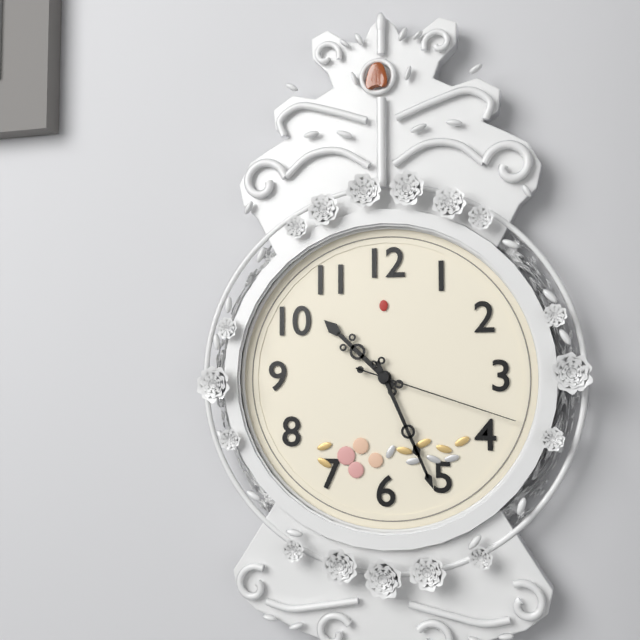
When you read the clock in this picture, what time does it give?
10:26:18
